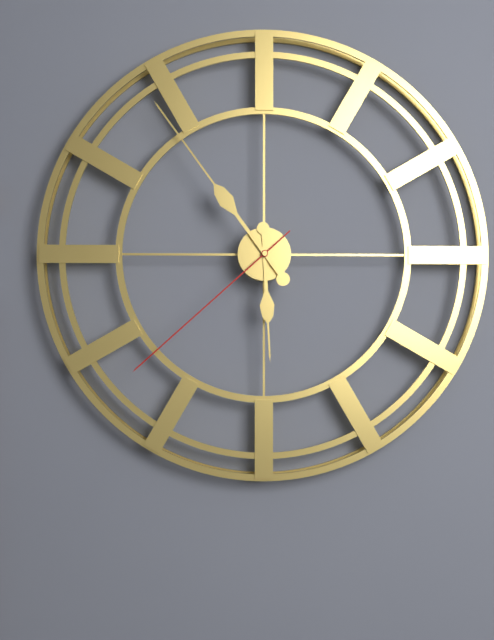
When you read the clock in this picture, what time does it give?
5:54:38
